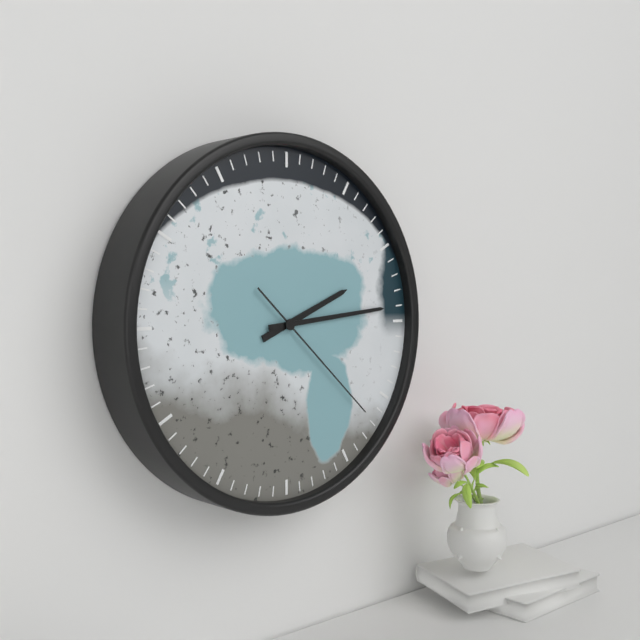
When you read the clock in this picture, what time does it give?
2:14:22
